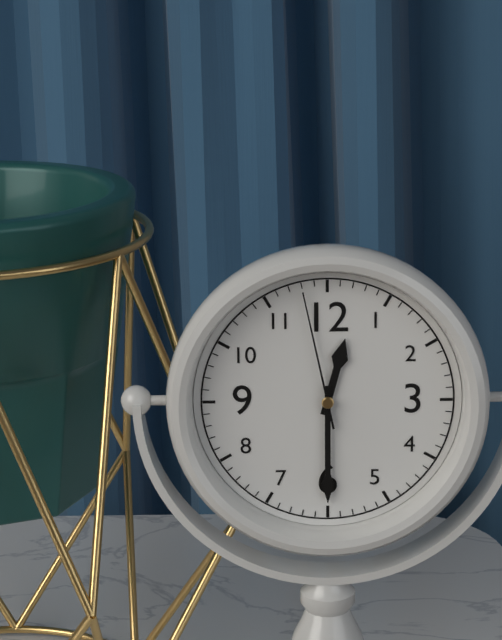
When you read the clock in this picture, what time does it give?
12:30:58
